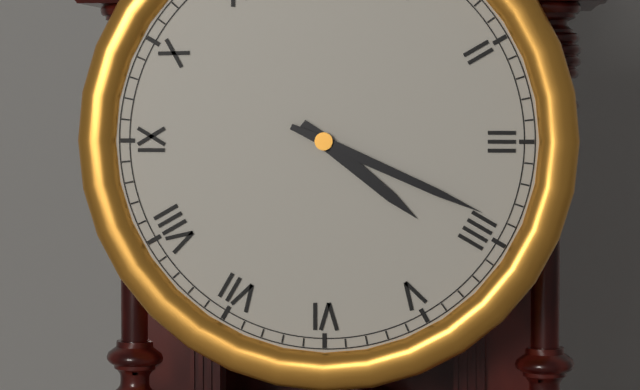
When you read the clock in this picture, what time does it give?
4:19
